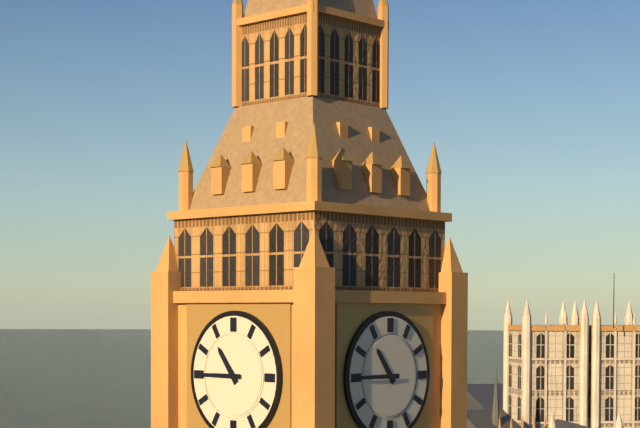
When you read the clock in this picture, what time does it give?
10:45
